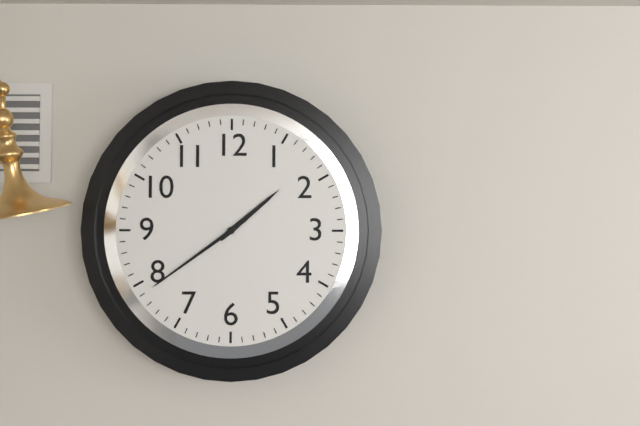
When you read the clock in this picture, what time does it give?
1:39
